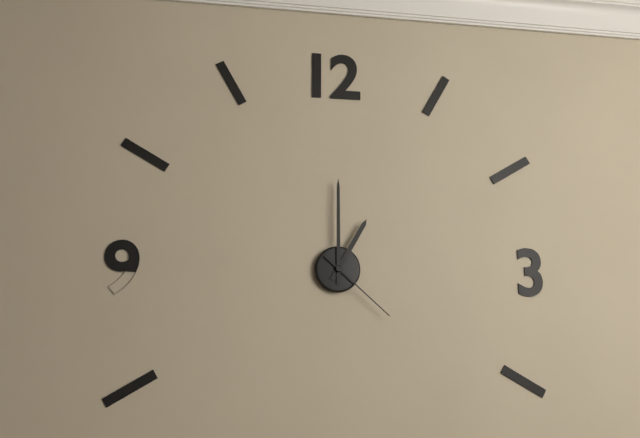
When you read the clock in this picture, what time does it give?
1:00:22
